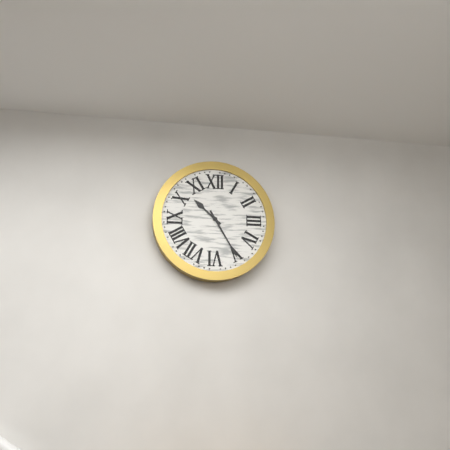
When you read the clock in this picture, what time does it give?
10:25
